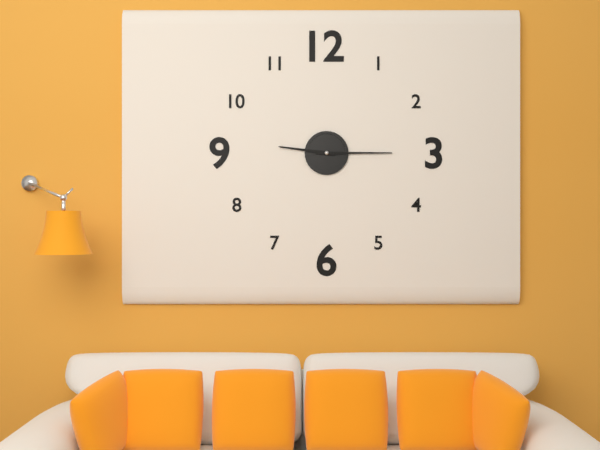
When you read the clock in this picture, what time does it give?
9:15
